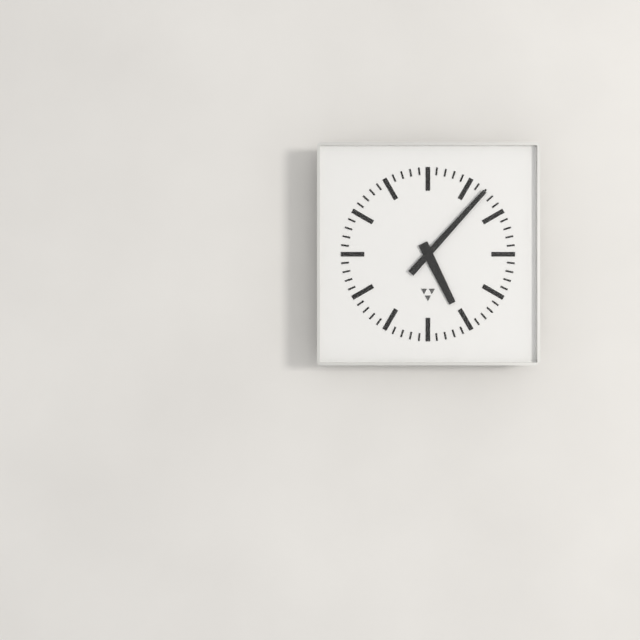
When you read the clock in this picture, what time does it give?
5:07
